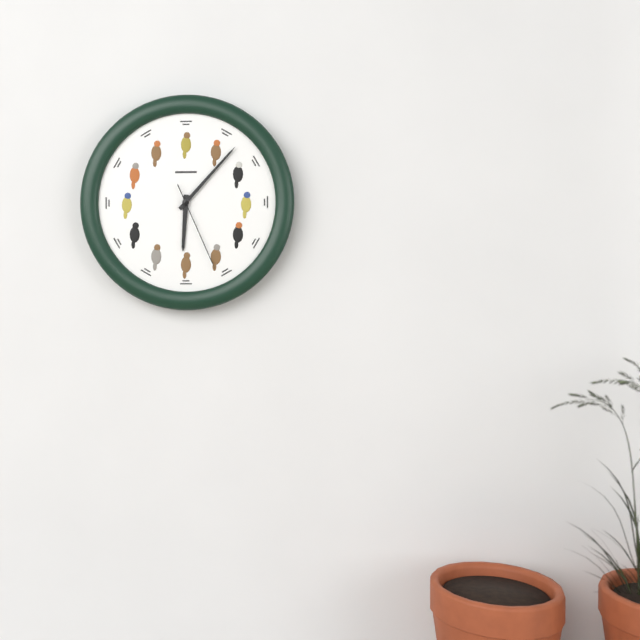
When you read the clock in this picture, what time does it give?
6:07:26
